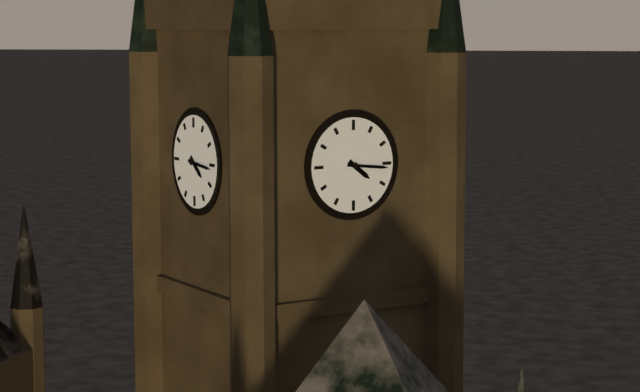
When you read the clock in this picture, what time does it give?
4:16
